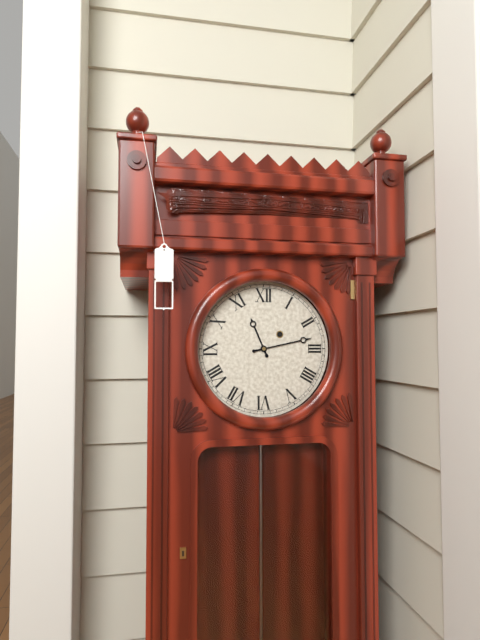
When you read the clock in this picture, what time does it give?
11:13
